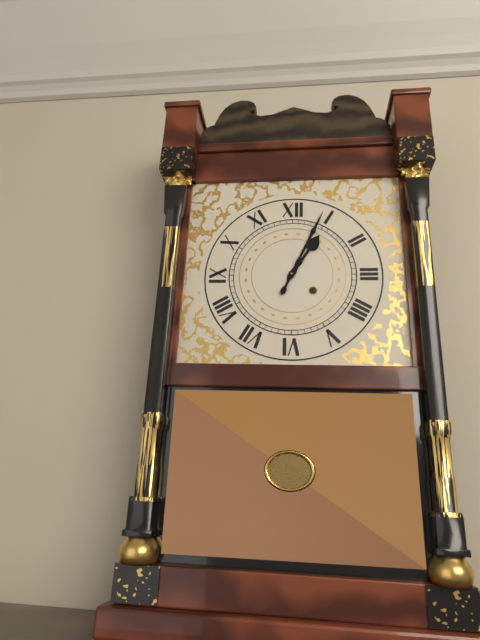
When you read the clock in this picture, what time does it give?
1:04
